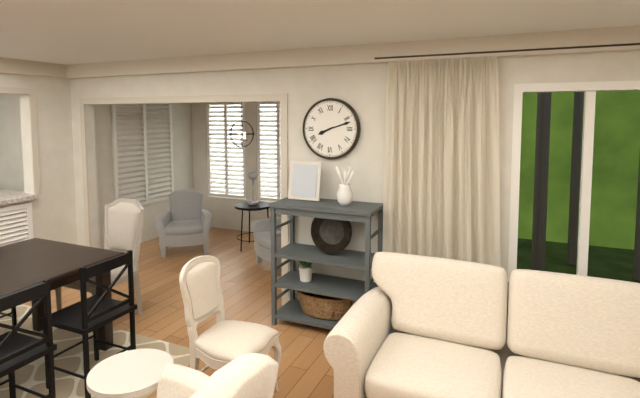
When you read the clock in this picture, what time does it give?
8:12
